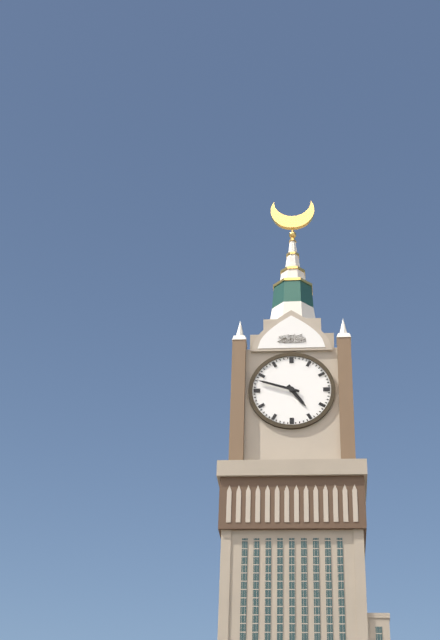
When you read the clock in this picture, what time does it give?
4:48
